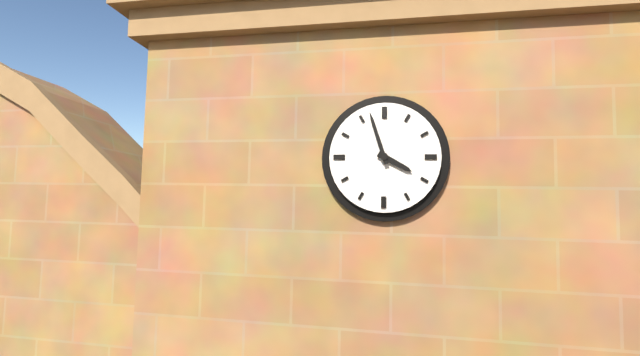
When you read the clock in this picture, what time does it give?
3:57
